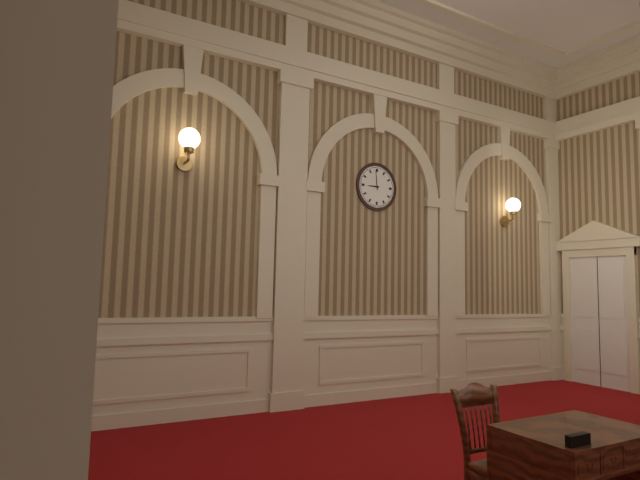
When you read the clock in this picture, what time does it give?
8:59
